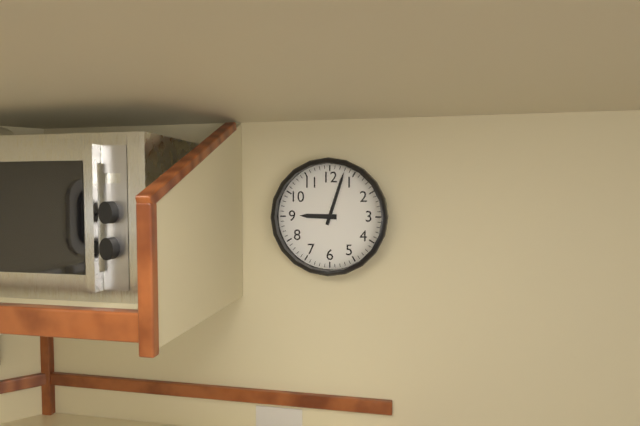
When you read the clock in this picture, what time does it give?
9:03
